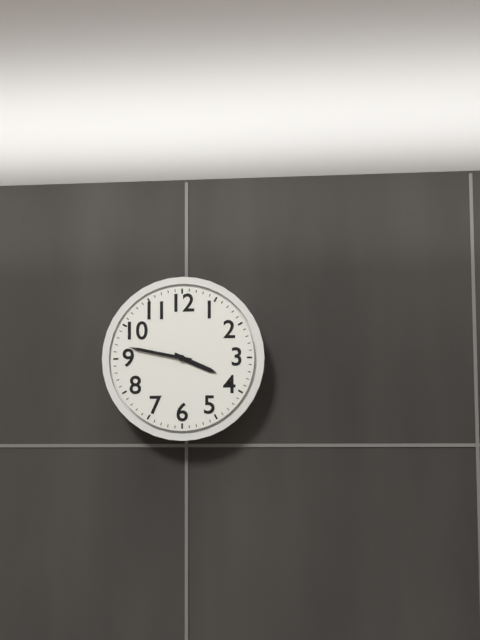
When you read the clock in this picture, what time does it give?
3:47
